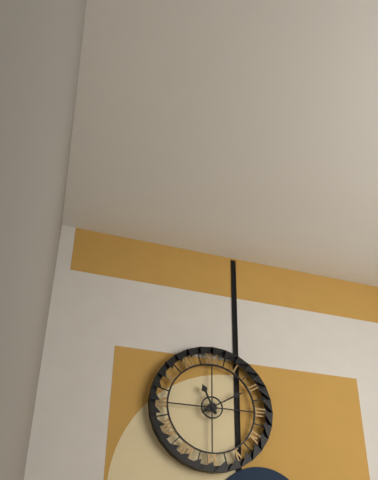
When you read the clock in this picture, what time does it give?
11:10
